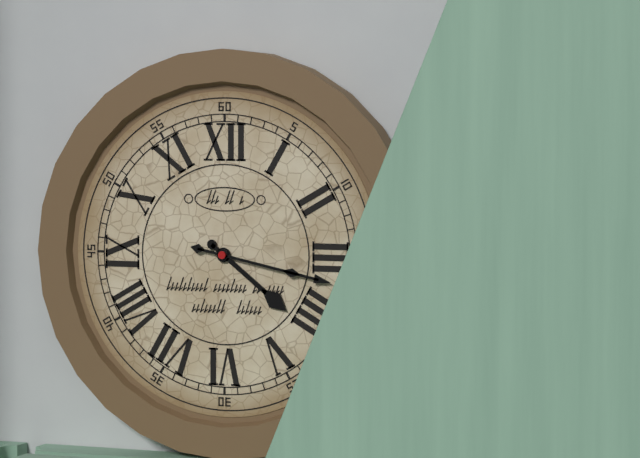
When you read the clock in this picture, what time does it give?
4:17
